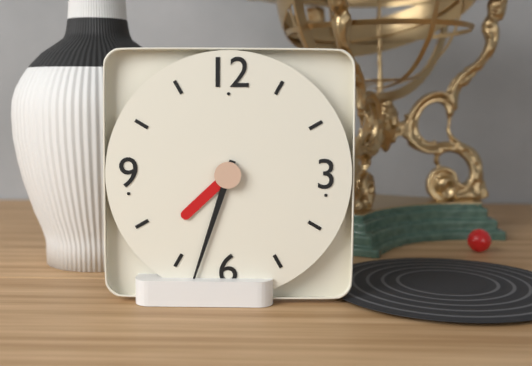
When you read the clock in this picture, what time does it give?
7:33
